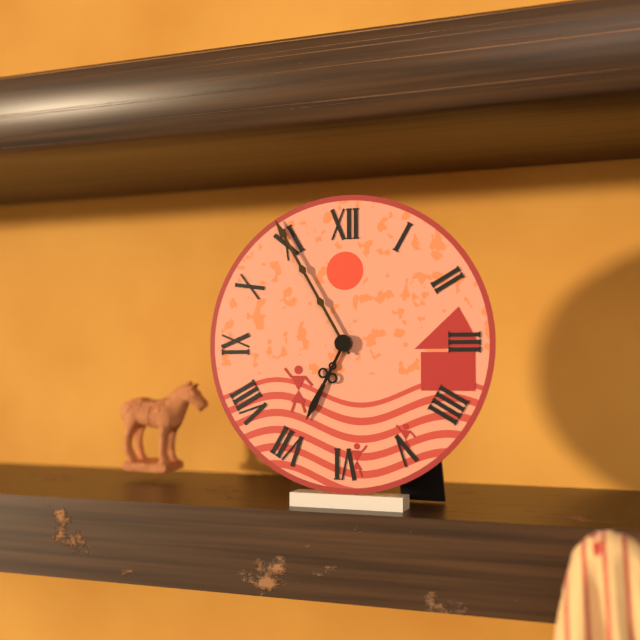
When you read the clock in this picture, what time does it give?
6:55
